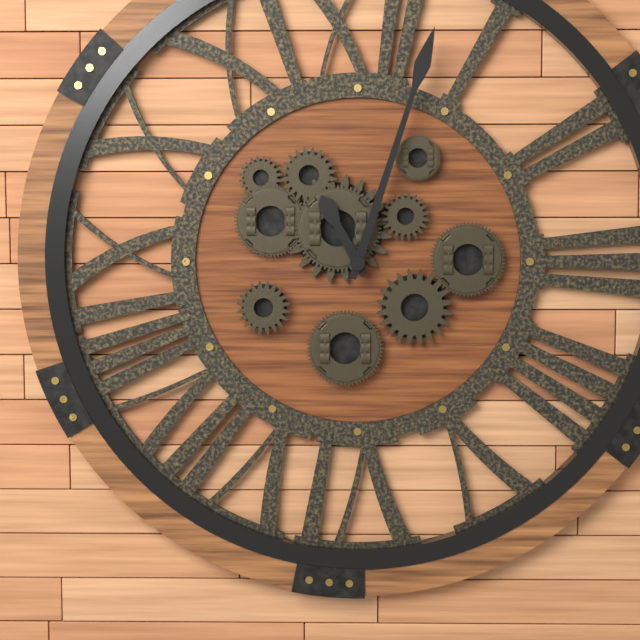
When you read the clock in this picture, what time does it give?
11:03
